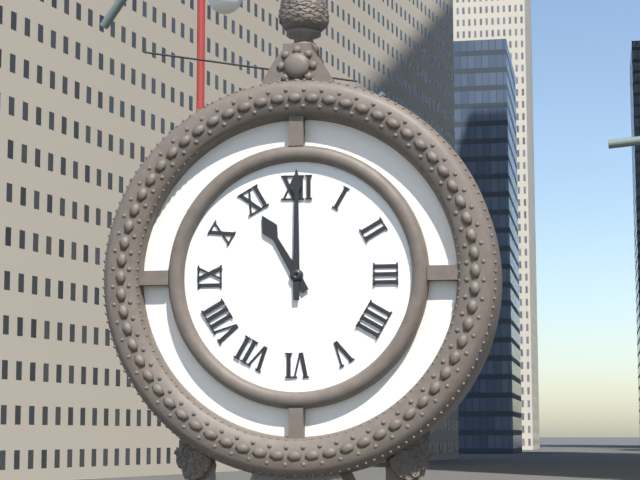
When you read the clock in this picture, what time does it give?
11:00
